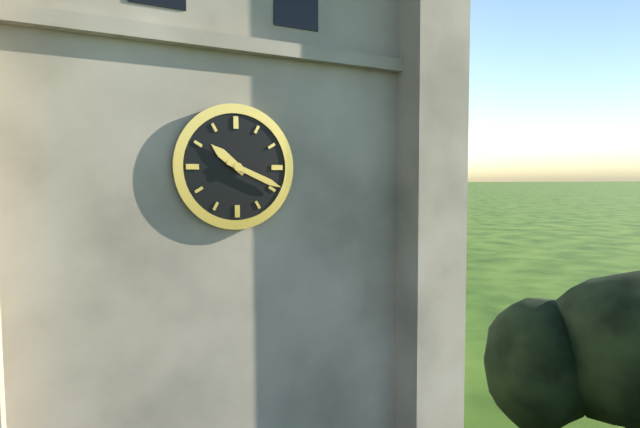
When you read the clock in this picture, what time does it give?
10:19
